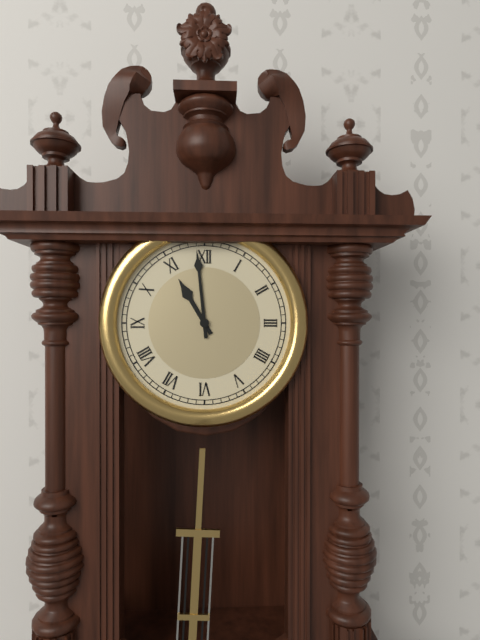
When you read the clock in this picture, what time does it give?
10:59
